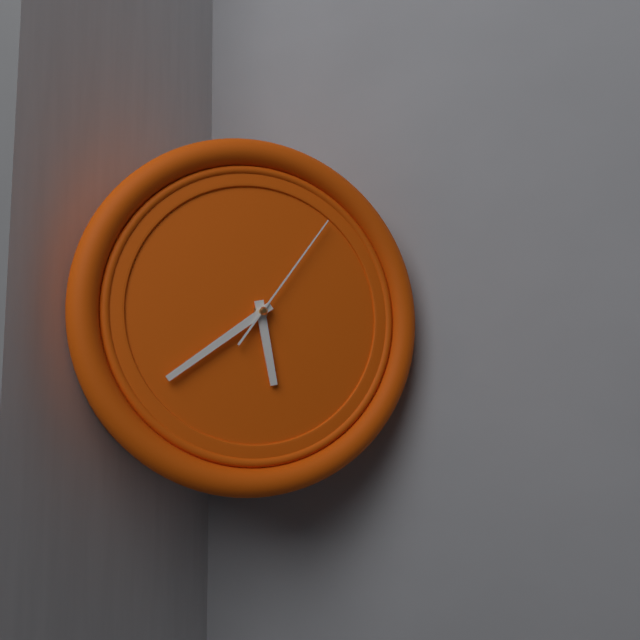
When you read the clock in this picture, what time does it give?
5:39:06
